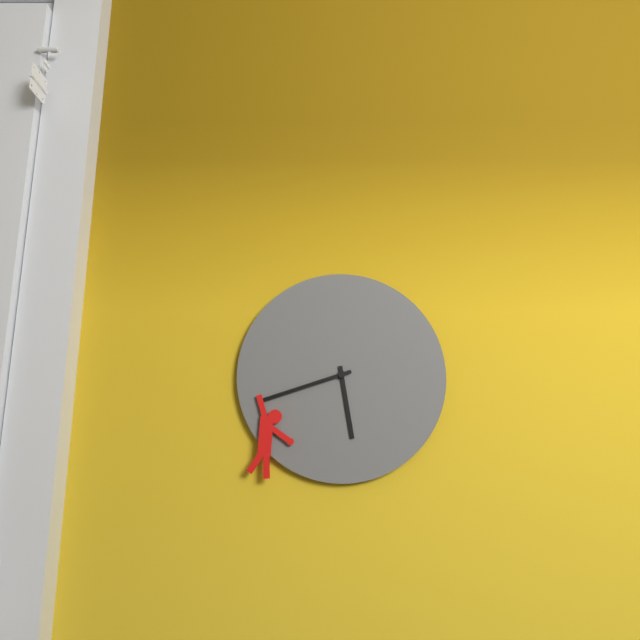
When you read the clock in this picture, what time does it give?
5:42
